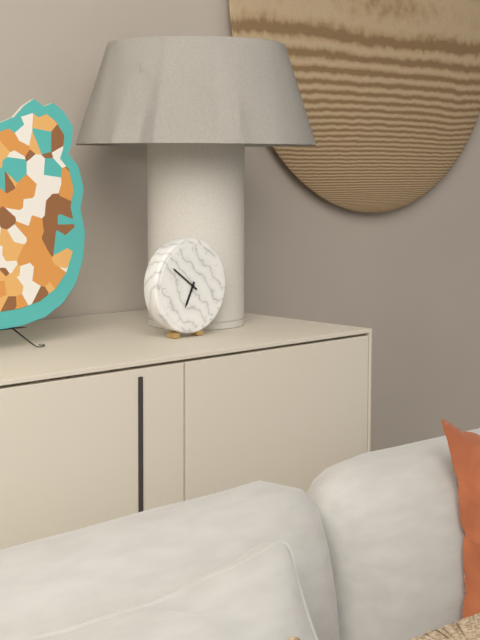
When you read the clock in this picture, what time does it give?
6:51
